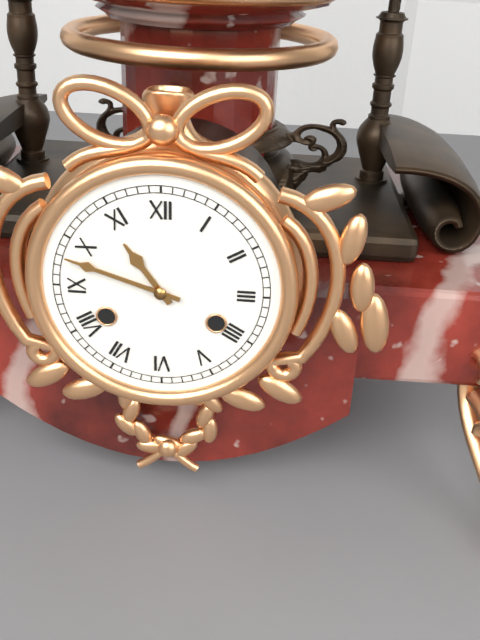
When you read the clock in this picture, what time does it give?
10:48
